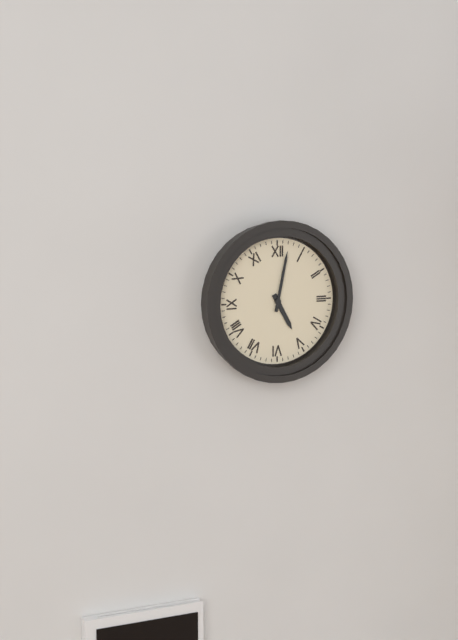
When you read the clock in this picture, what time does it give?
5:02
